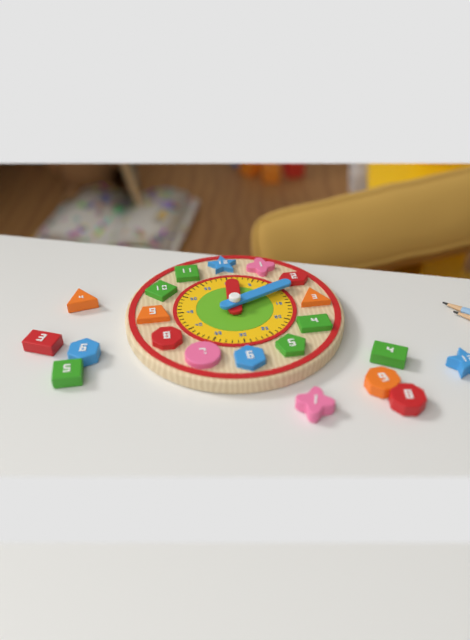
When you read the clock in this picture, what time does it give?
12:11
